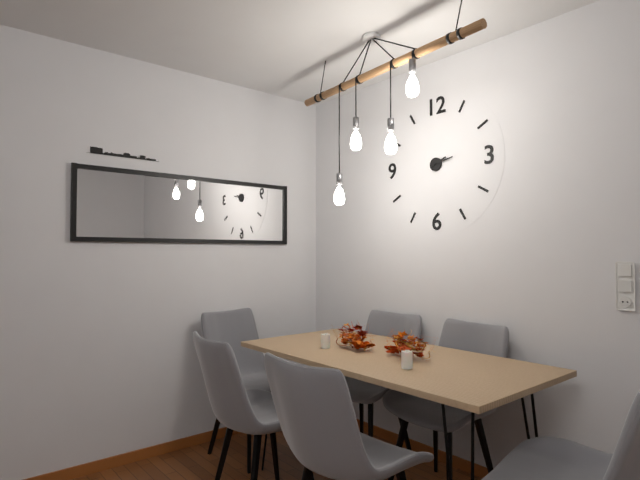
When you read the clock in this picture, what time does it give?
2:13
